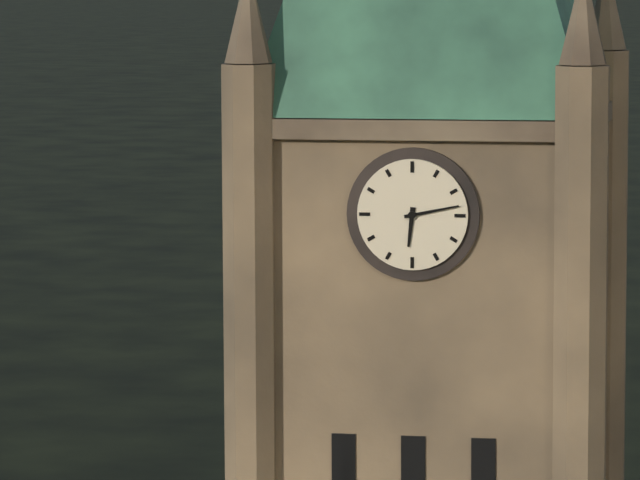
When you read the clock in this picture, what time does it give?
6:13
